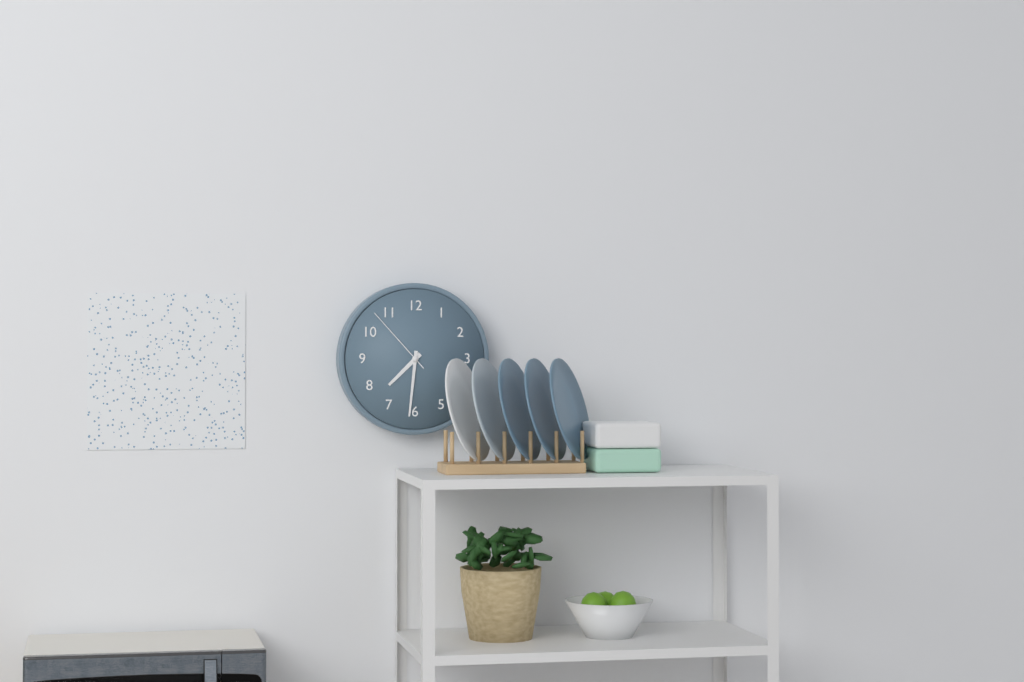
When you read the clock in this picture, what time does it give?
7:31:53
